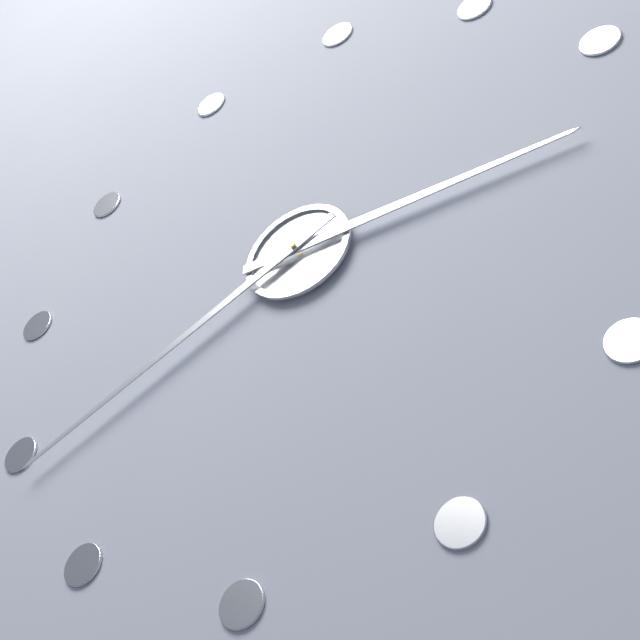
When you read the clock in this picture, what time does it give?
2:39
